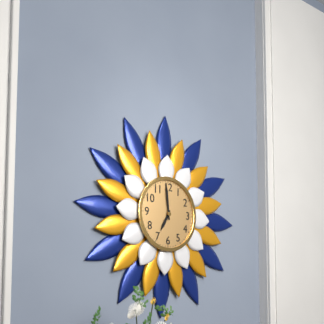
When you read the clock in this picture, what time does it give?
6:59
